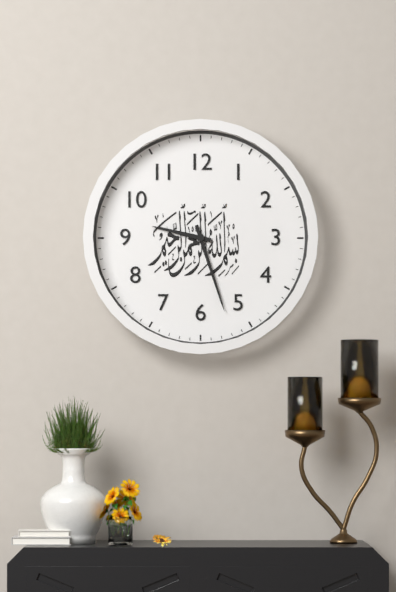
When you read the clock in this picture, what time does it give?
9:27
